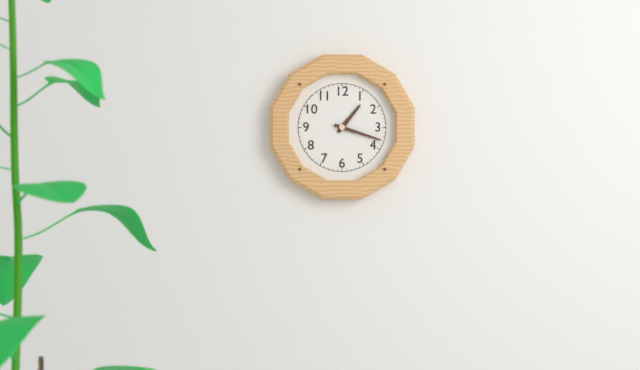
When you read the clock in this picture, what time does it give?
1:18
